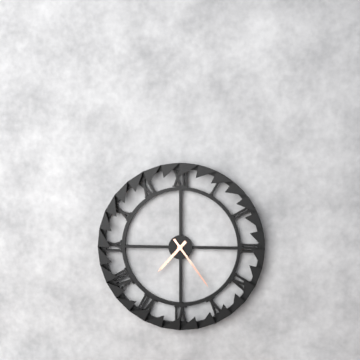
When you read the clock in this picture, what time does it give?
7:24
